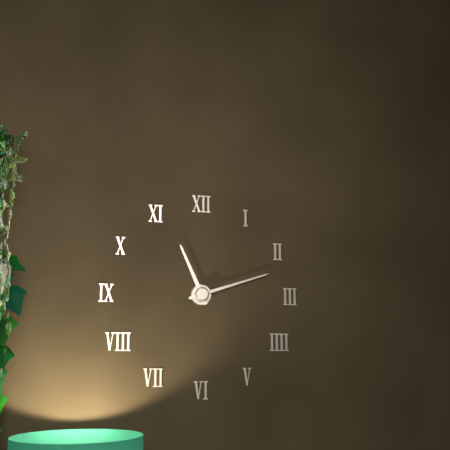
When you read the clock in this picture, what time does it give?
11:12
